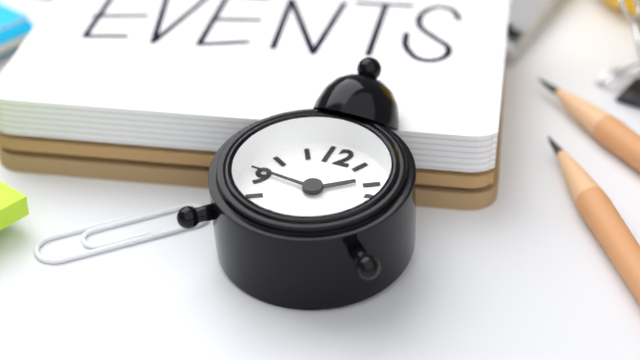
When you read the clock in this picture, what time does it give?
1:46
